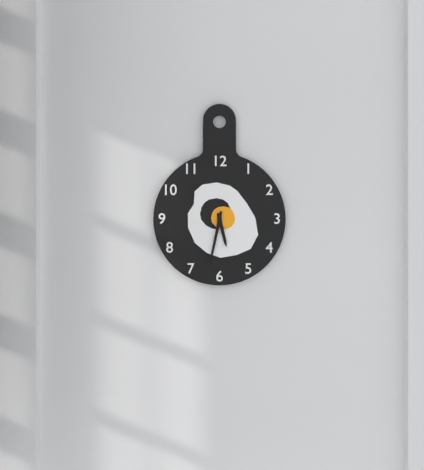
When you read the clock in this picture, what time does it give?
5:32
